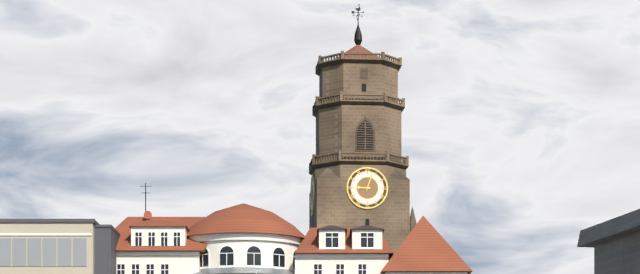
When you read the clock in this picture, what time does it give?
9:03
